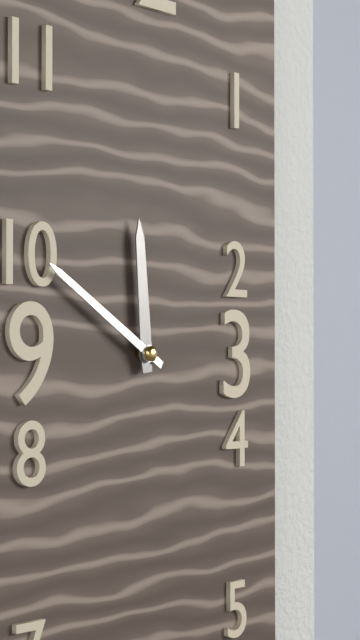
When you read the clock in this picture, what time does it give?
11:50
